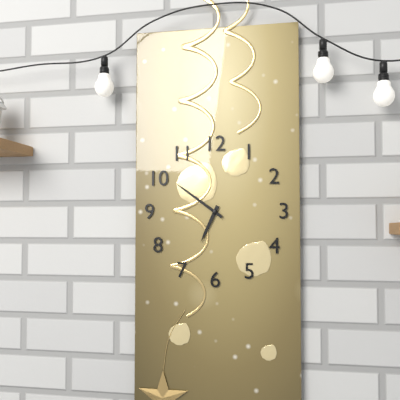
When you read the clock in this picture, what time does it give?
6:51
